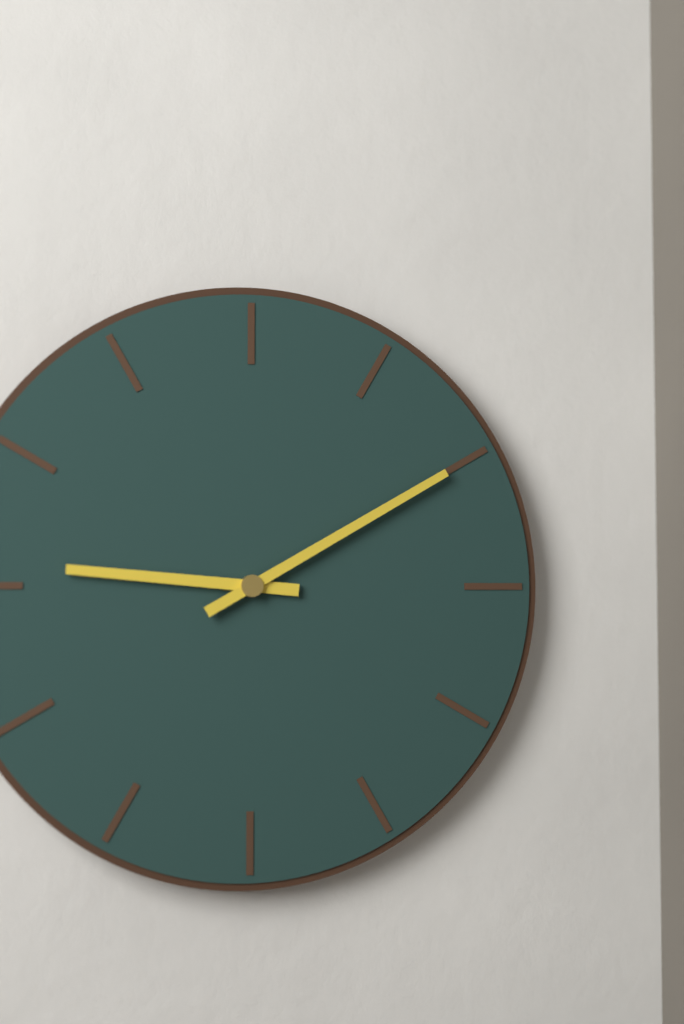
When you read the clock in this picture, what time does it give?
9:10
